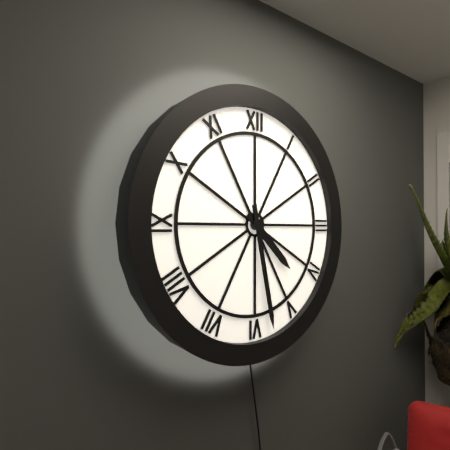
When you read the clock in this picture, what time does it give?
4:28
